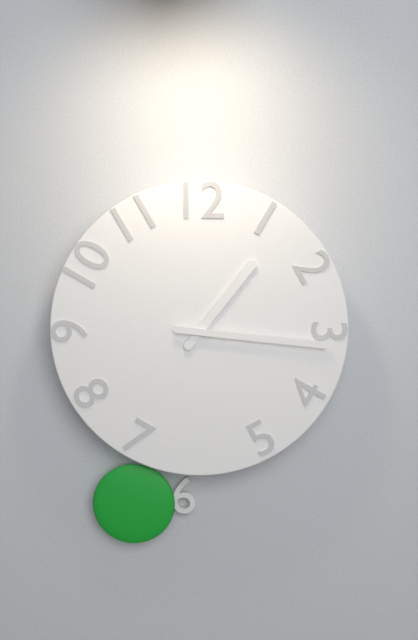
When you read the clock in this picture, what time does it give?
1:16
